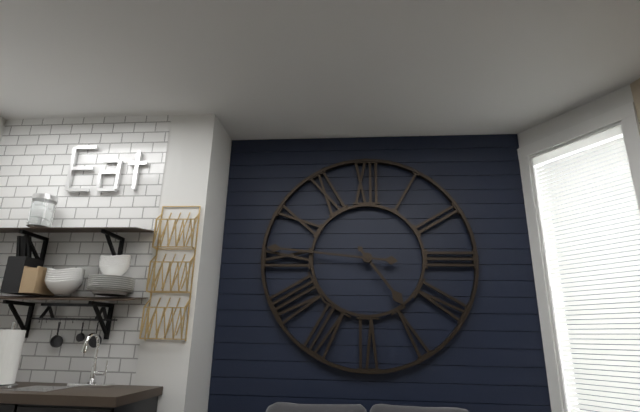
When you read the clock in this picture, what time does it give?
4:46
